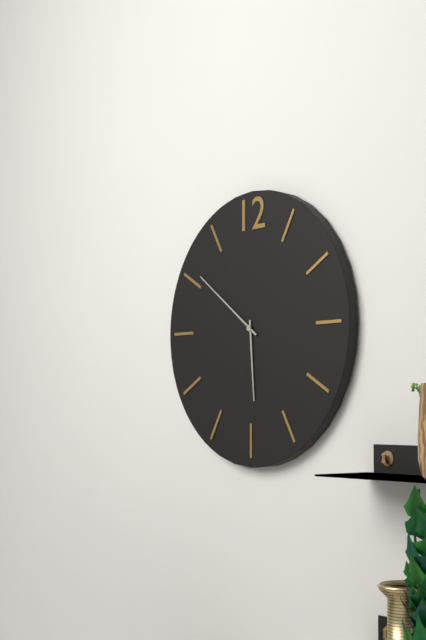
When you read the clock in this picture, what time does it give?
5:51
